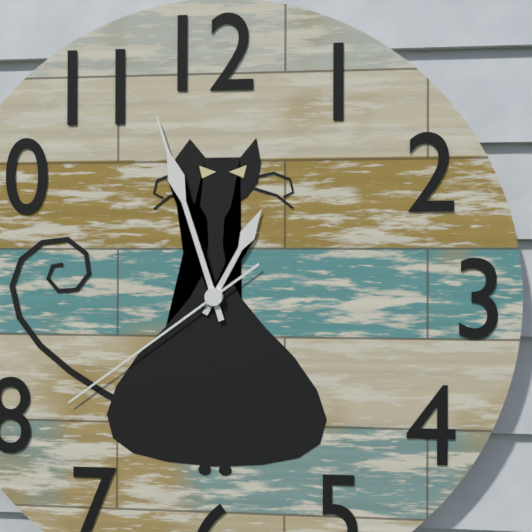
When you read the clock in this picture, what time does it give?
12:57:39
